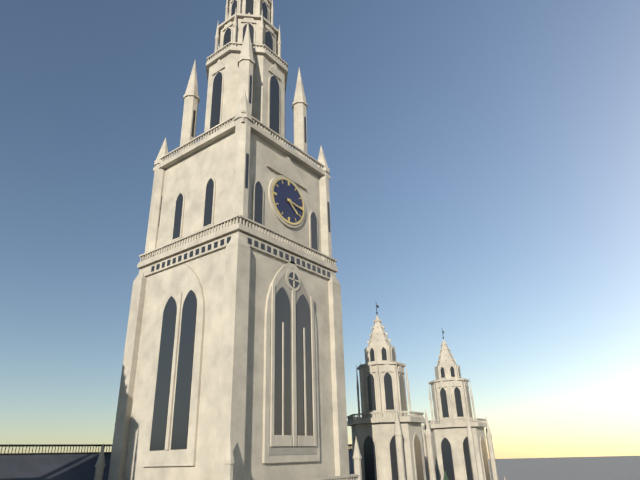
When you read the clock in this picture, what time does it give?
4:16
